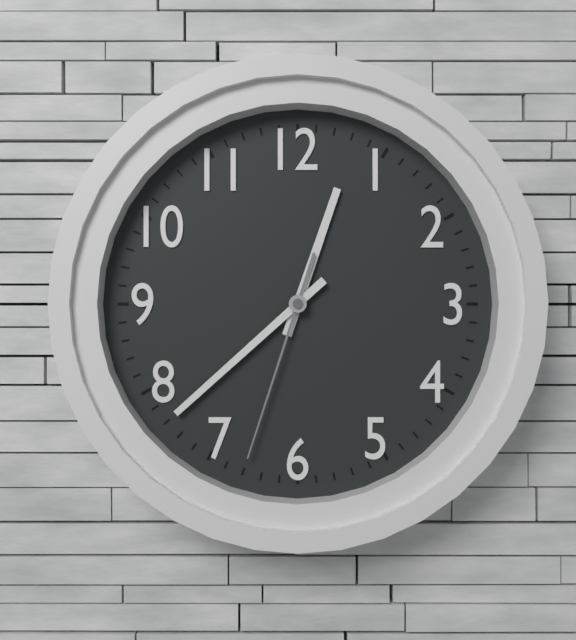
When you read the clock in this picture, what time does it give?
12:38:33
